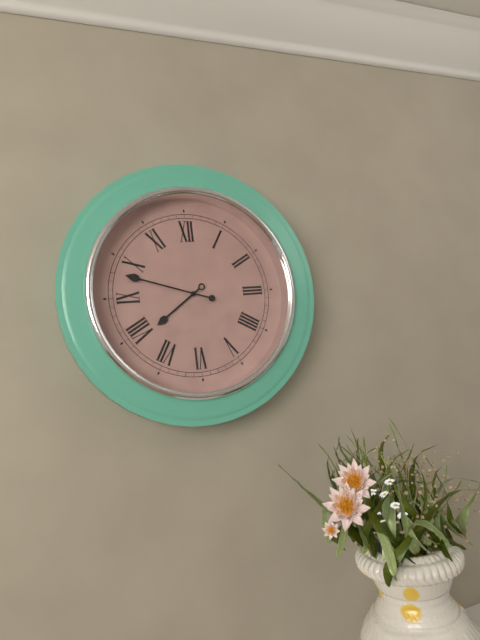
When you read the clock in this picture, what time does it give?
7:48
